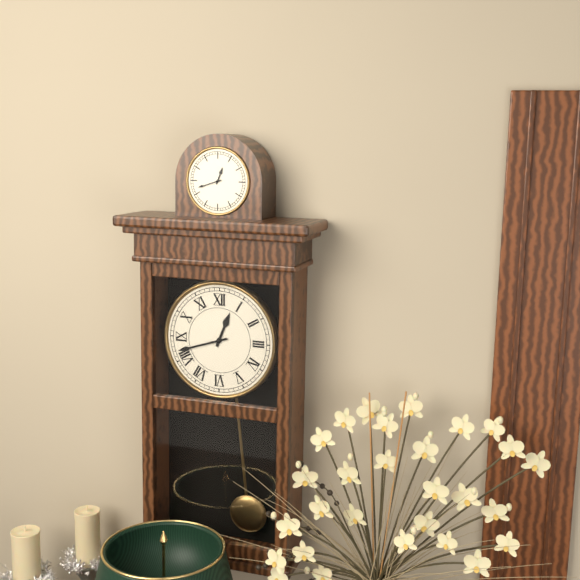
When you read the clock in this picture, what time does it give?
12:42
